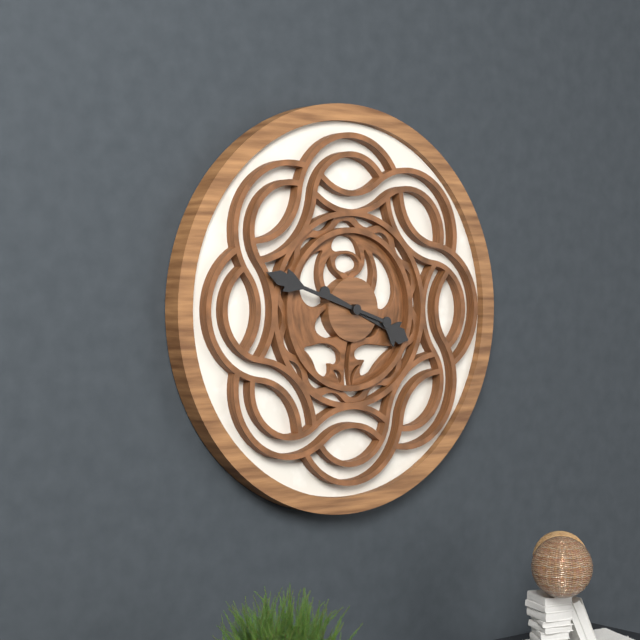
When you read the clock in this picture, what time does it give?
3:48
